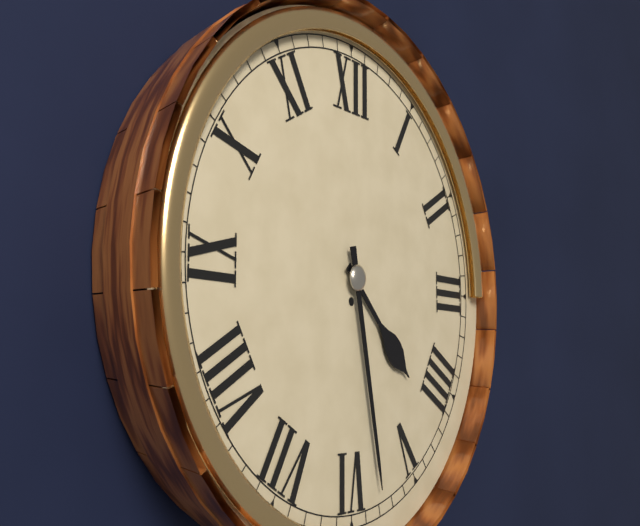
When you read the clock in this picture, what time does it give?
4:28
